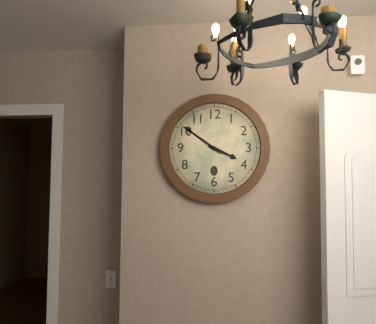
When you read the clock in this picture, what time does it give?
3:51
